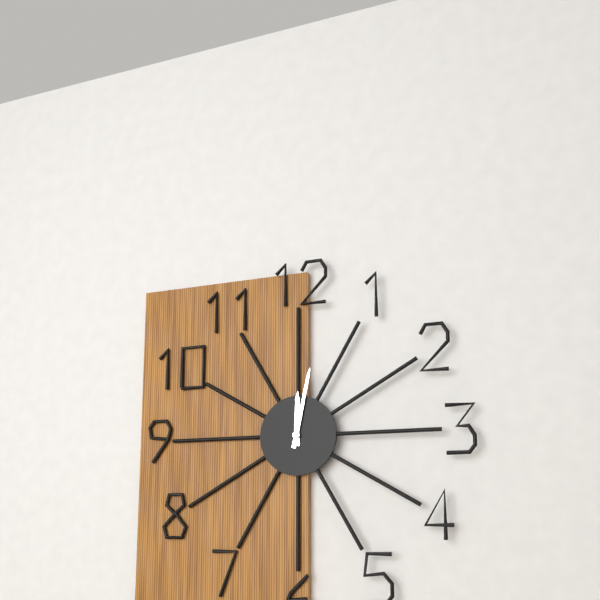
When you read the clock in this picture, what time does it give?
12:02
